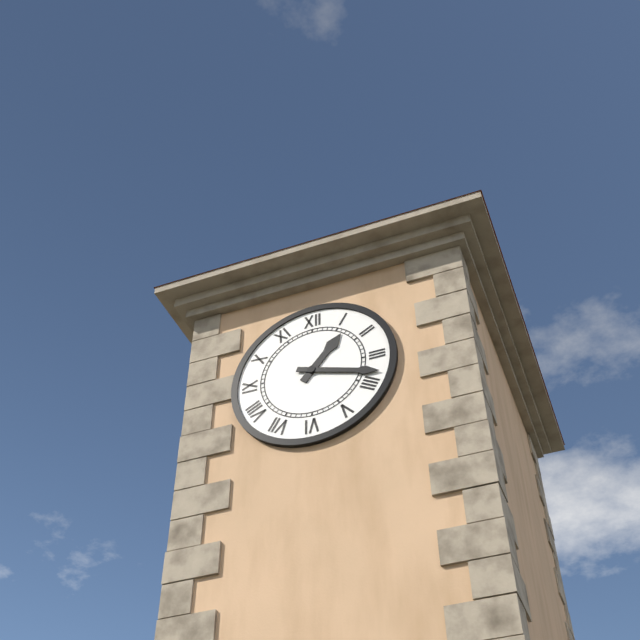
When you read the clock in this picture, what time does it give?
1:18
